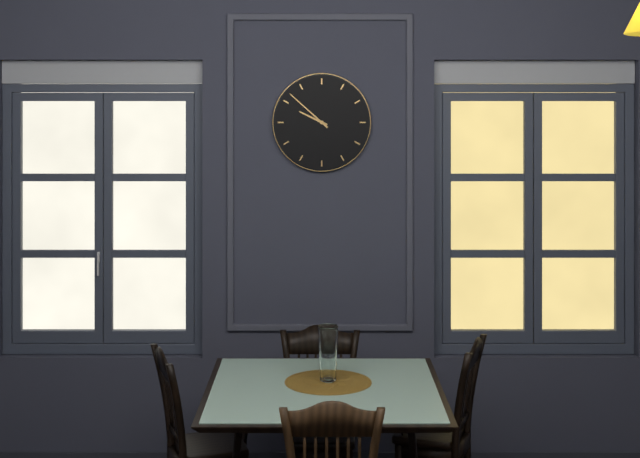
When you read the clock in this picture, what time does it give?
9:52
